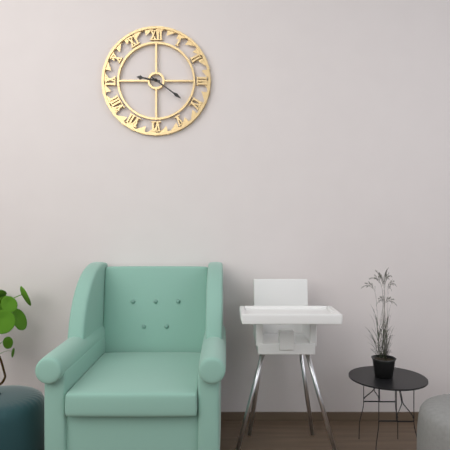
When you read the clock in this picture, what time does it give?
9:21
